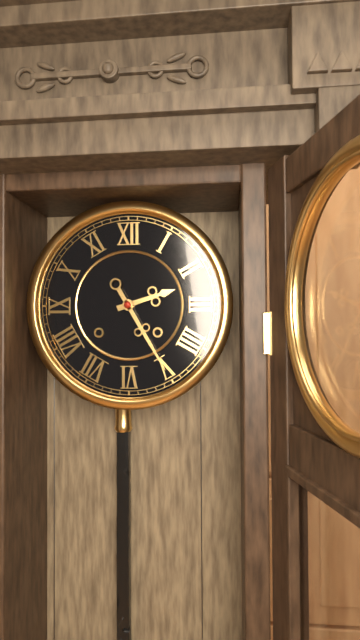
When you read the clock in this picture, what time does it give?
2:25
